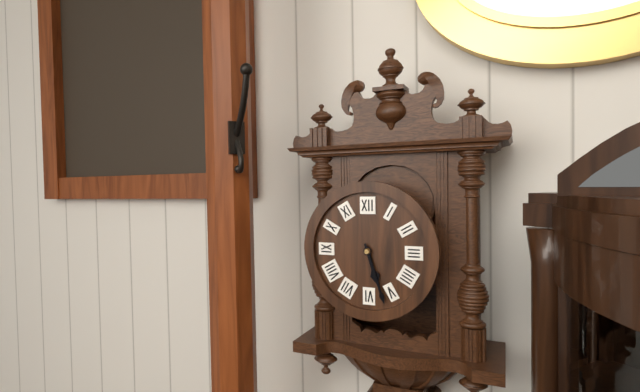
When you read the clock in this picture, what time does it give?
5:27
